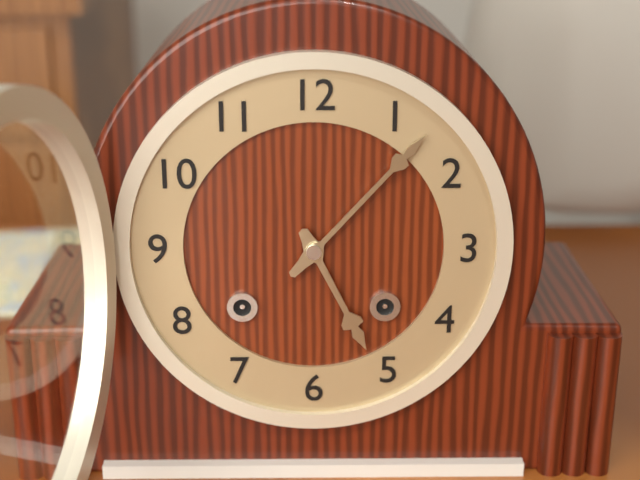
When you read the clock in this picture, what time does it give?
5:07
